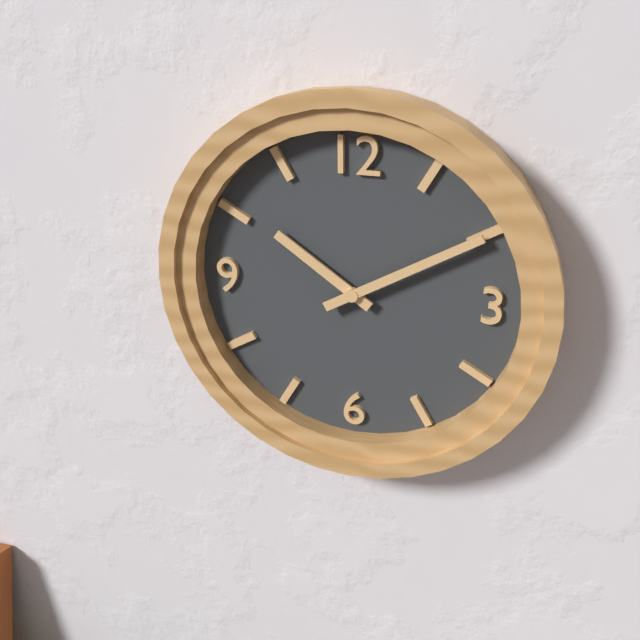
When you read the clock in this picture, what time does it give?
10:10
